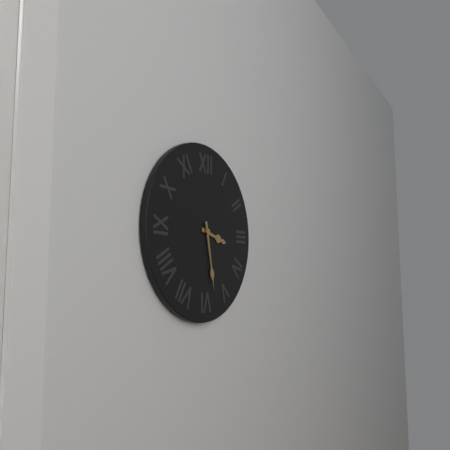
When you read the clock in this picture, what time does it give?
3:28
